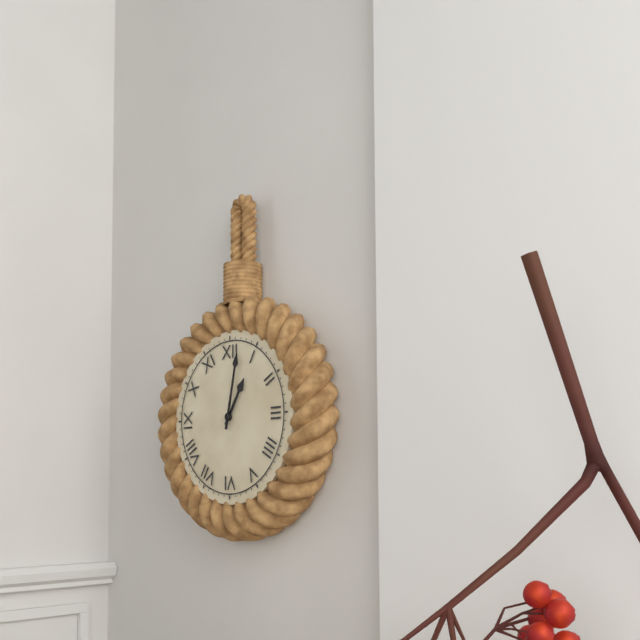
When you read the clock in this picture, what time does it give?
1:02
